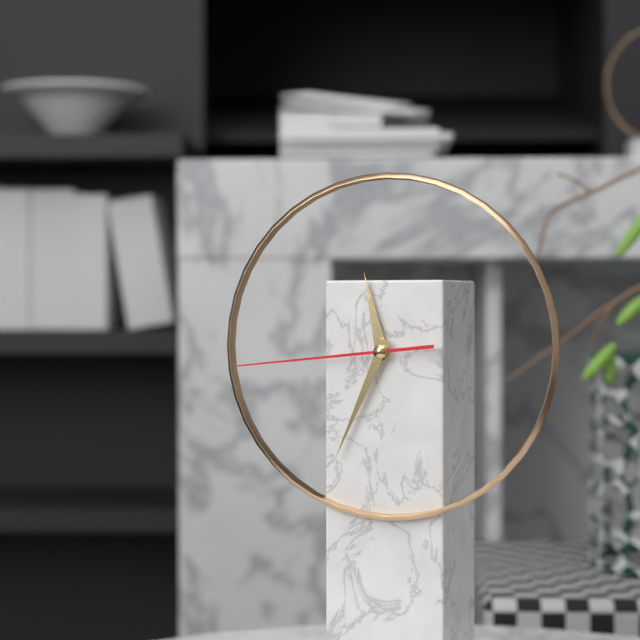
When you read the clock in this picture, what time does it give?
11:34:44
